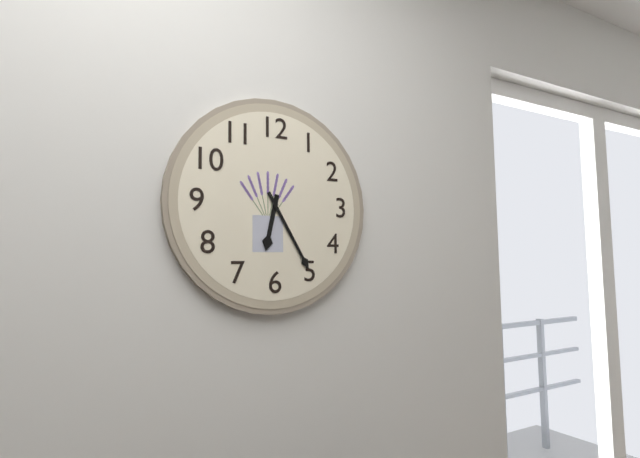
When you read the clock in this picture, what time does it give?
6:25
